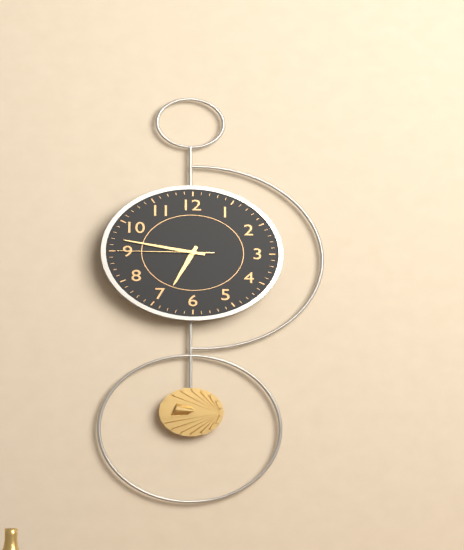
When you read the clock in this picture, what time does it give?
6:47:45
